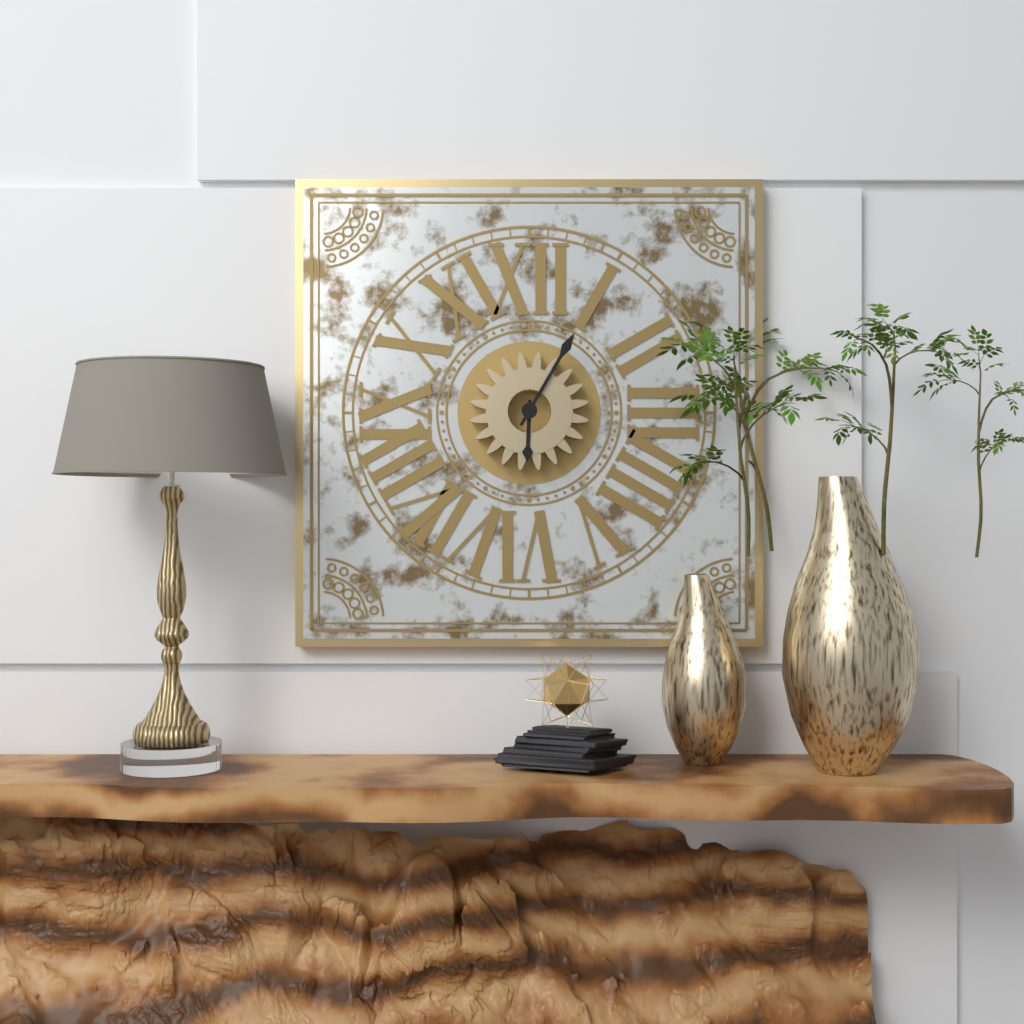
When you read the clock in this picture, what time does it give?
6:05
